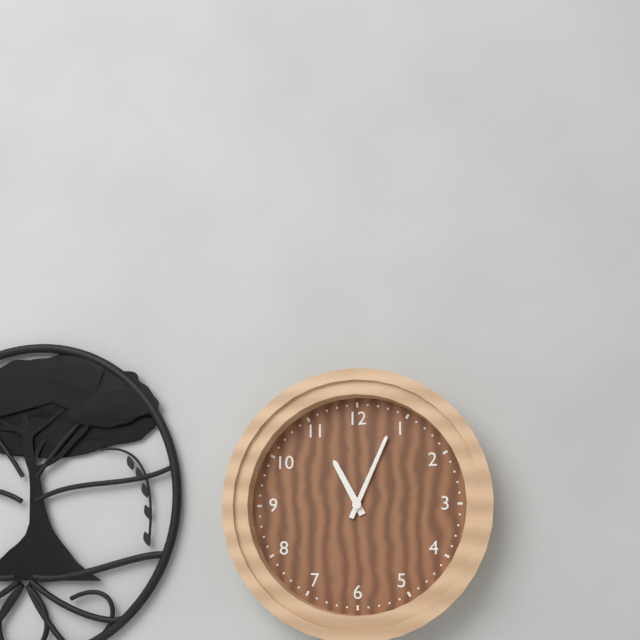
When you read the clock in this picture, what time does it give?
11:04
